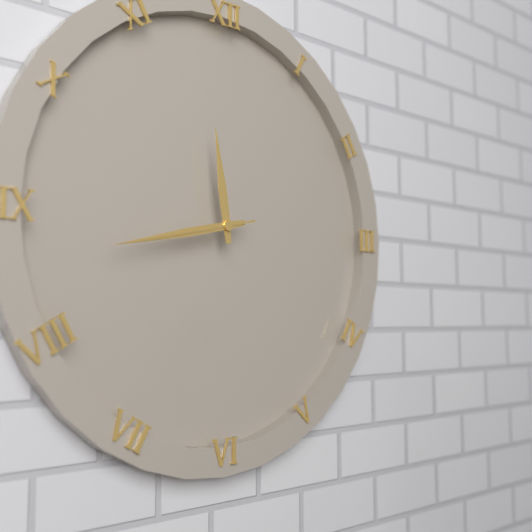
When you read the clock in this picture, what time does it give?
11:43:43
